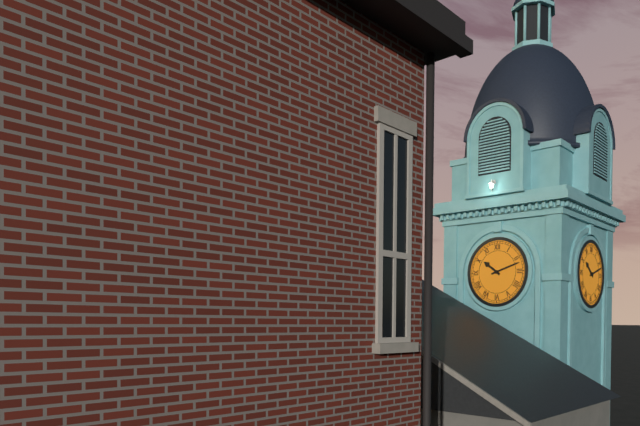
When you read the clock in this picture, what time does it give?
10:12
